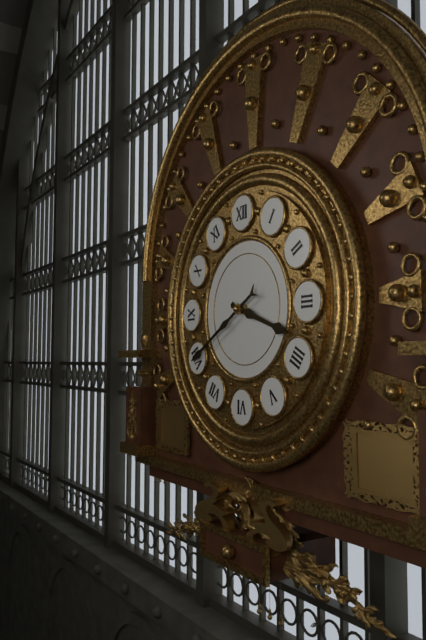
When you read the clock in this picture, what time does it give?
3:40
